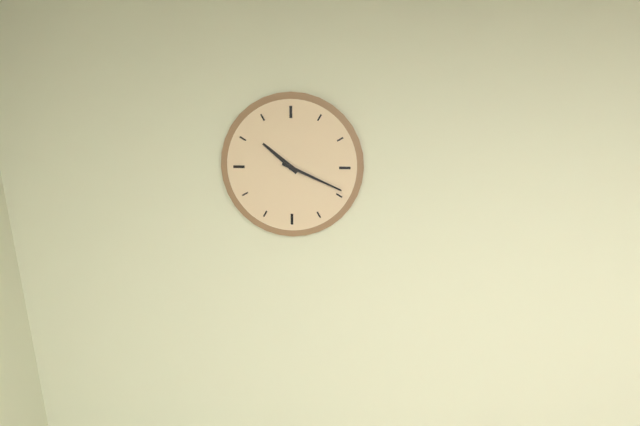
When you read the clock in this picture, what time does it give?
10:19
